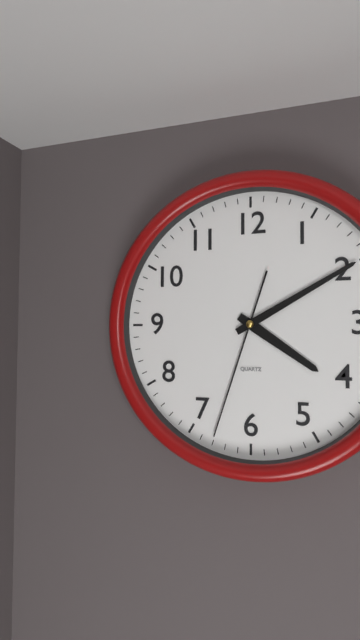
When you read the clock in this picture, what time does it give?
4:10:33
